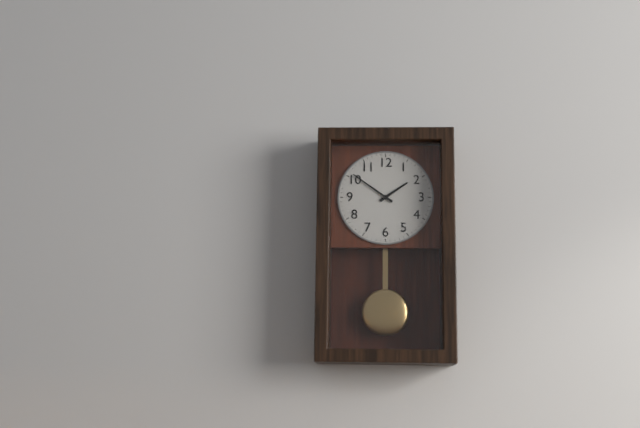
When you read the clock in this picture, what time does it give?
1:51
